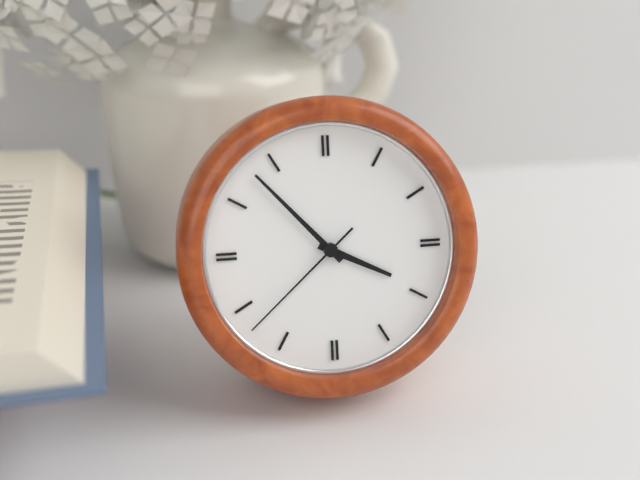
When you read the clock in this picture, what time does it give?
3:53:38
